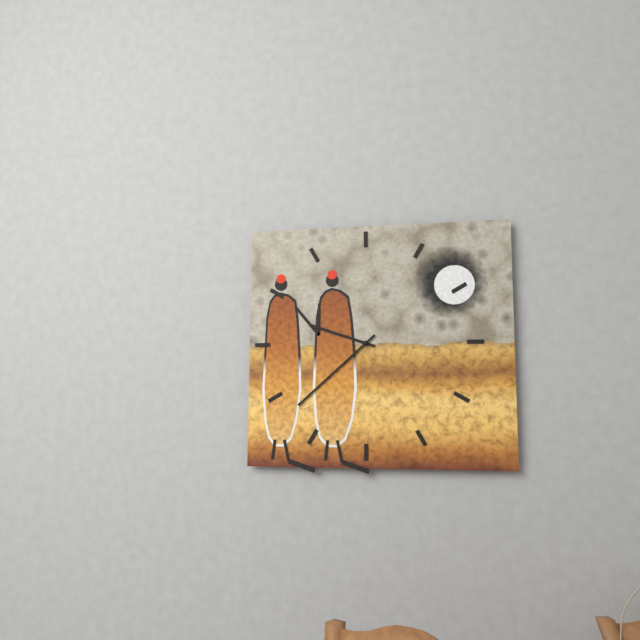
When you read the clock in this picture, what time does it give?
9:38
